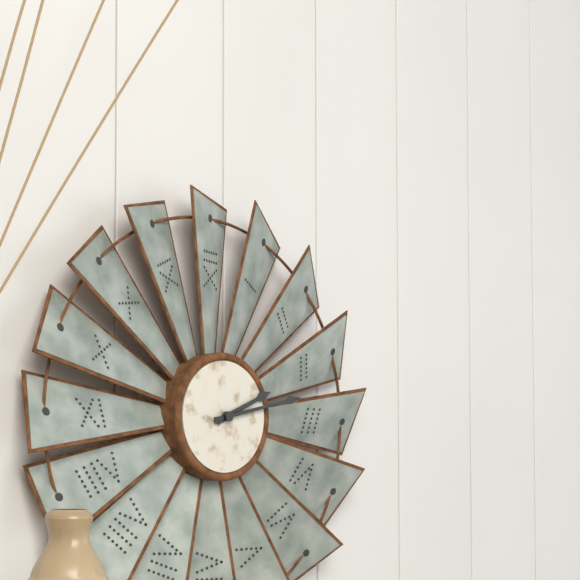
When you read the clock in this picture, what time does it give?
2:13
